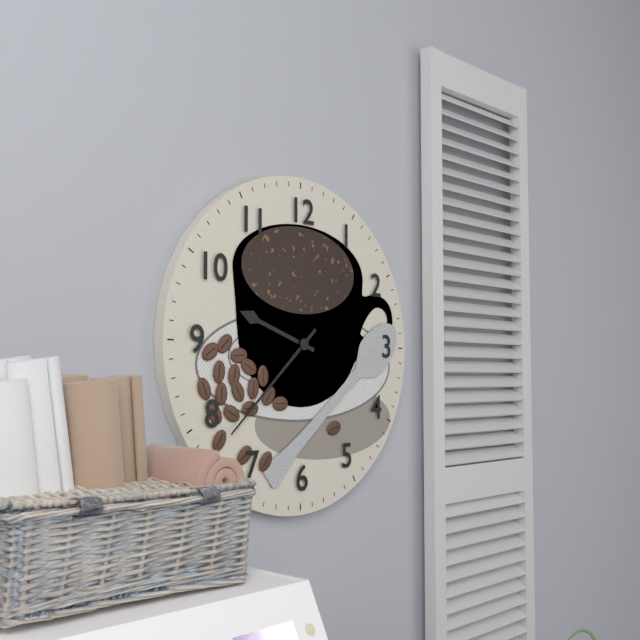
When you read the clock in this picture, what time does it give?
9:38
